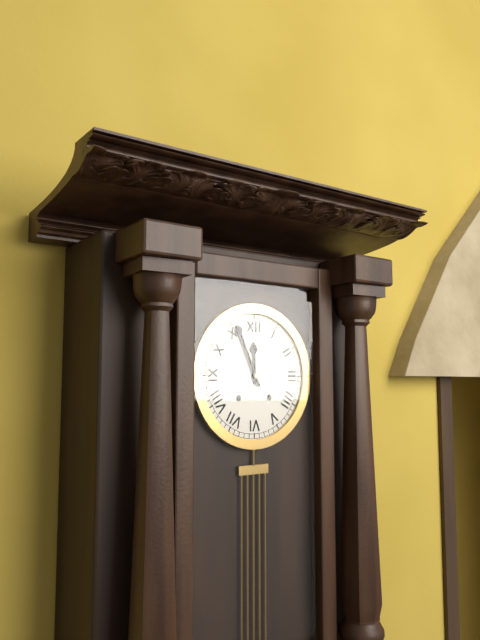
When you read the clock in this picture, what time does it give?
11:56
